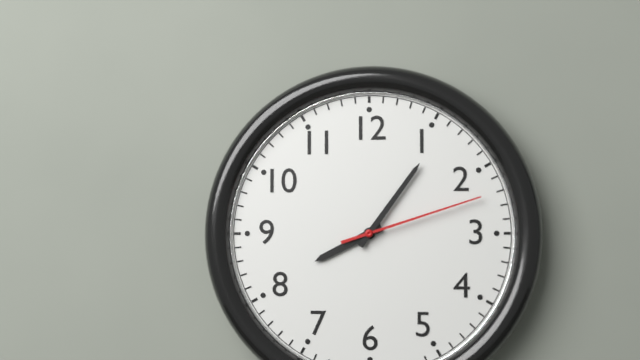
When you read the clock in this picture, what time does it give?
8:06:12
